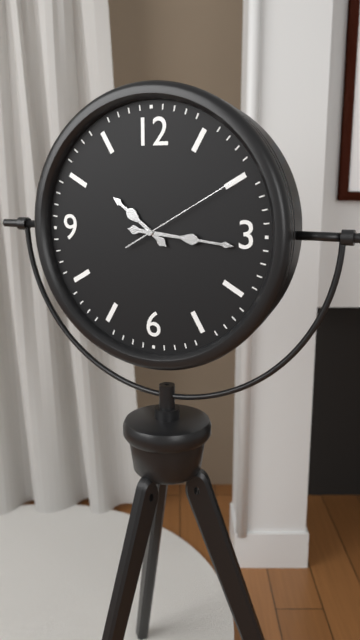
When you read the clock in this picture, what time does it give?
10:16:10
